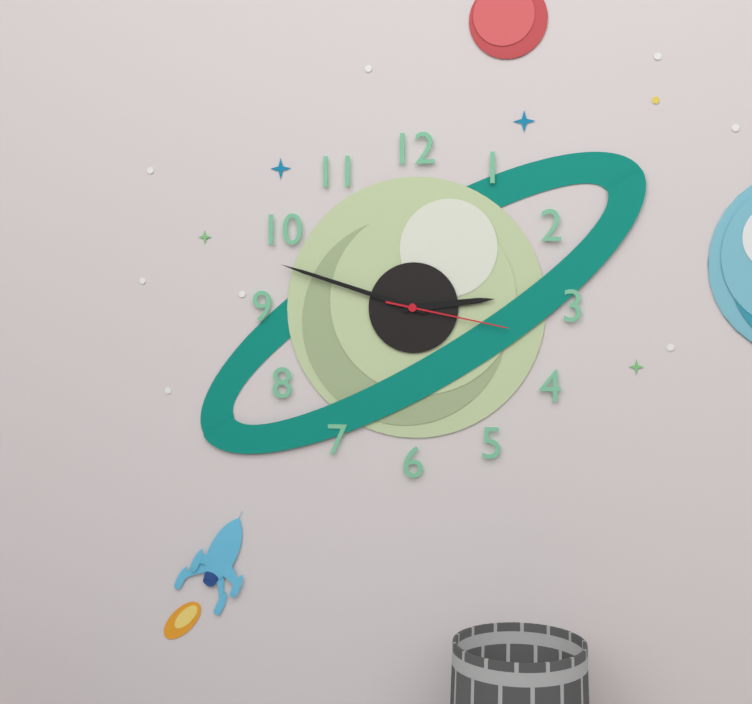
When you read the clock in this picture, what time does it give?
2:48:17
